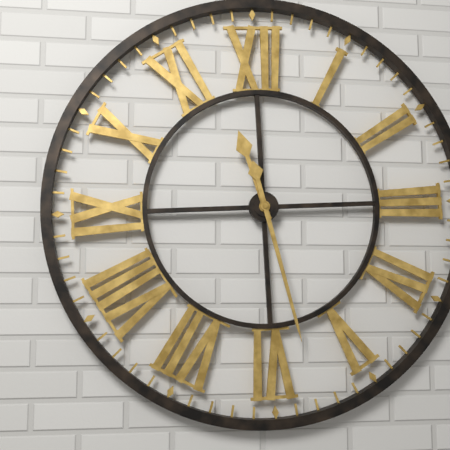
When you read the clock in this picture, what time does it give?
11:28
